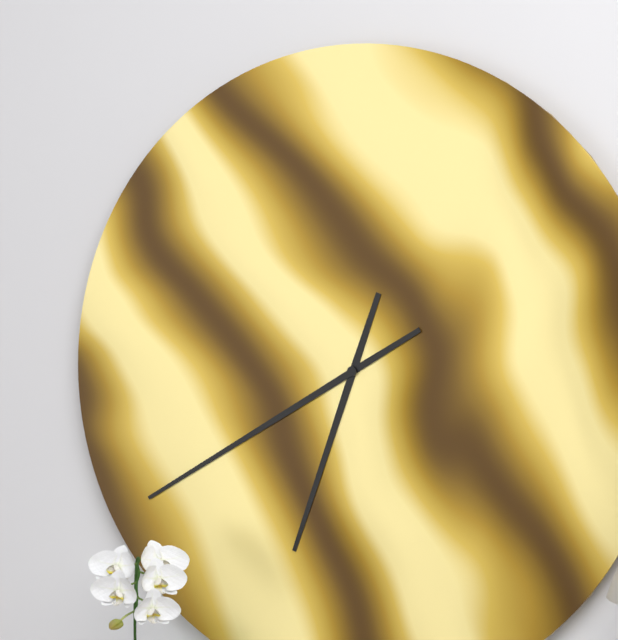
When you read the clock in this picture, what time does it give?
6:40
